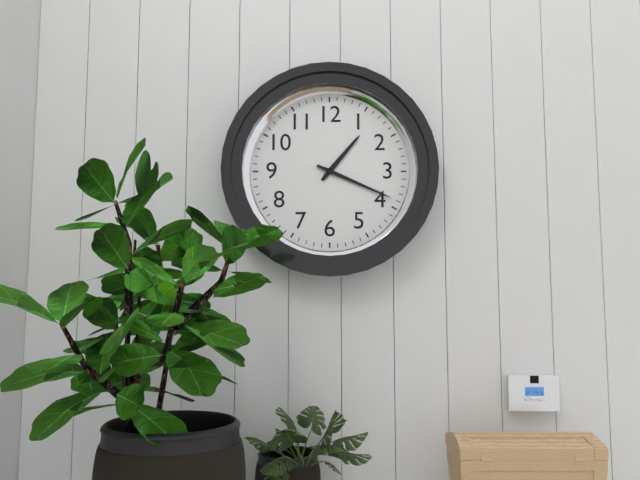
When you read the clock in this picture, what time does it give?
1:19
